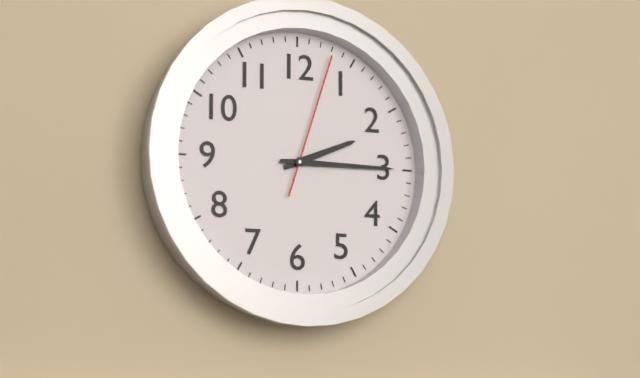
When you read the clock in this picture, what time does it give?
2:15:03
